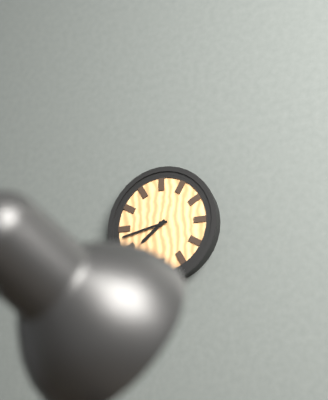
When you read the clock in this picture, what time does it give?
7:43
